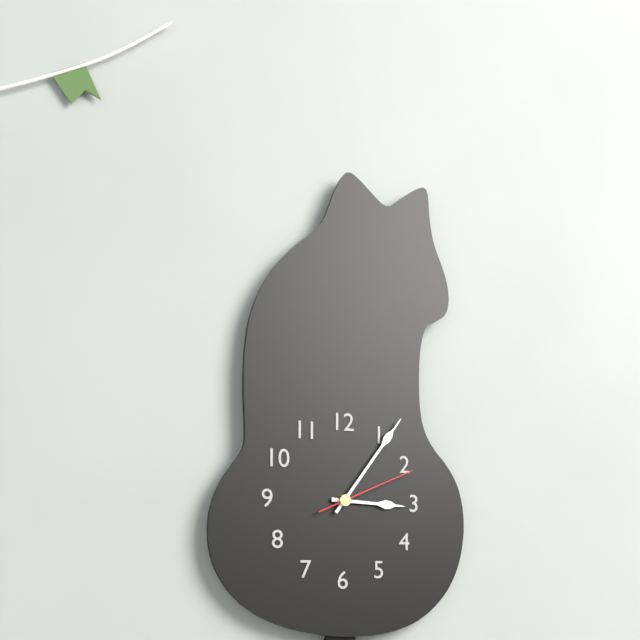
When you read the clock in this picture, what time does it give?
3:06:11
